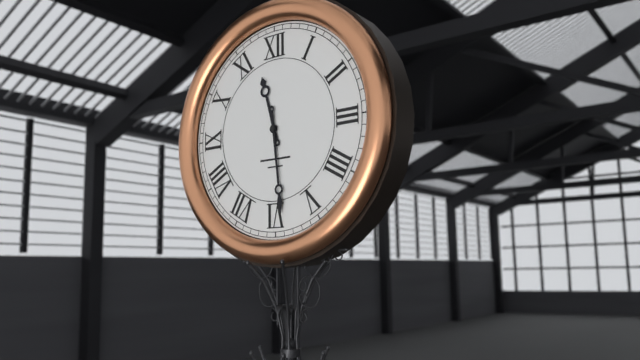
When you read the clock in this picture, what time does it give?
11:29
